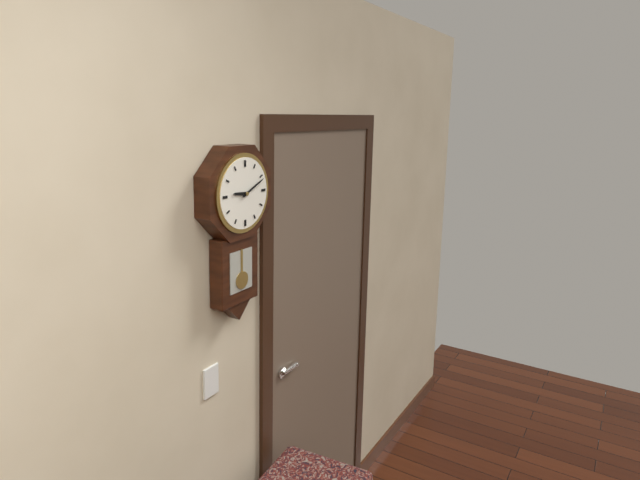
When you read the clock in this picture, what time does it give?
9:11
